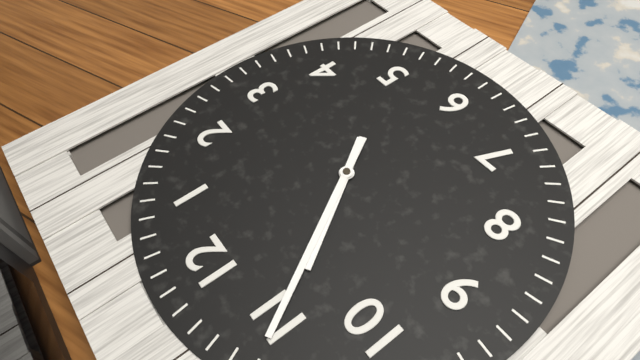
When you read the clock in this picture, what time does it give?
10:55
